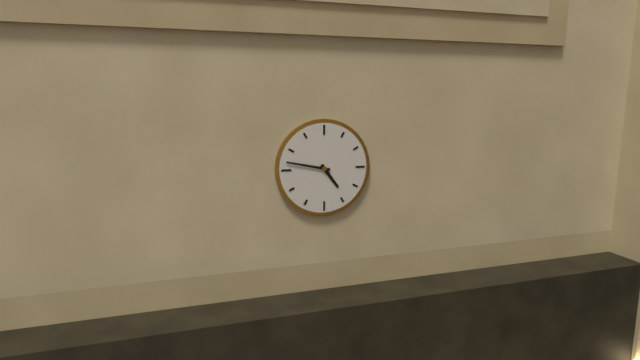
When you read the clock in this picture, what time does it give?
4:47
